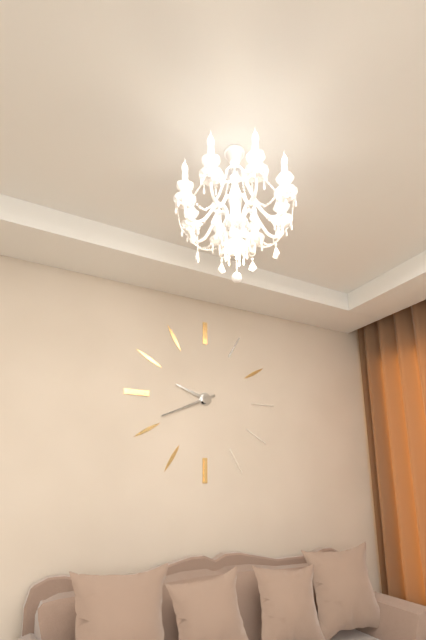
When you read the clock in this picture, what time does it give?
9:41
